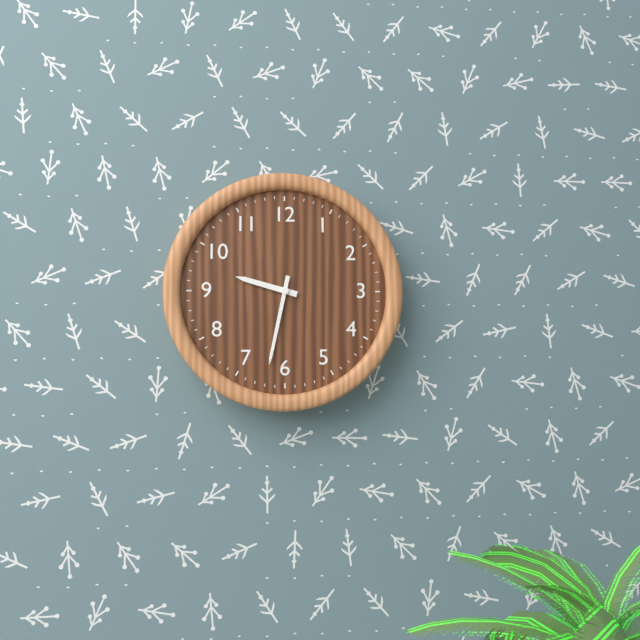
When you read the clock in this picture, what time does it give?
9:32
